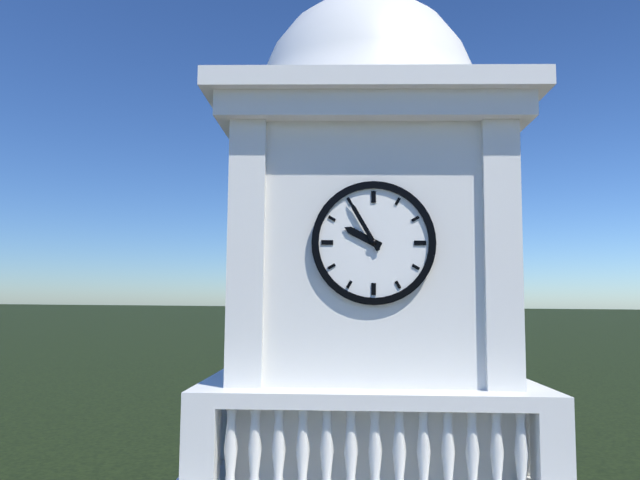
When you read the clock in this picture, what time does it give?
9:55
